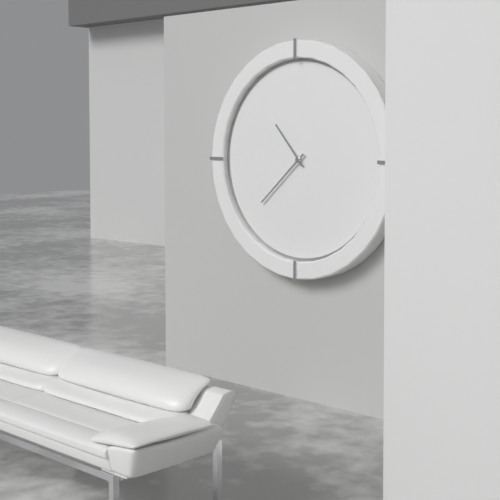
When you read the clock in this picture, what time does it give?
10:38
